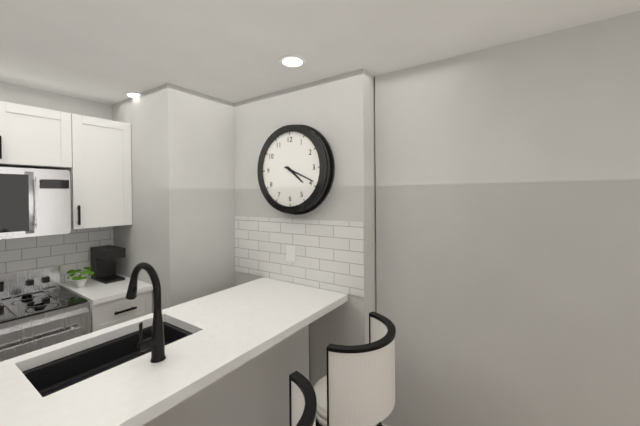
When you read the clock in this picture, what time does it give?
4:19
